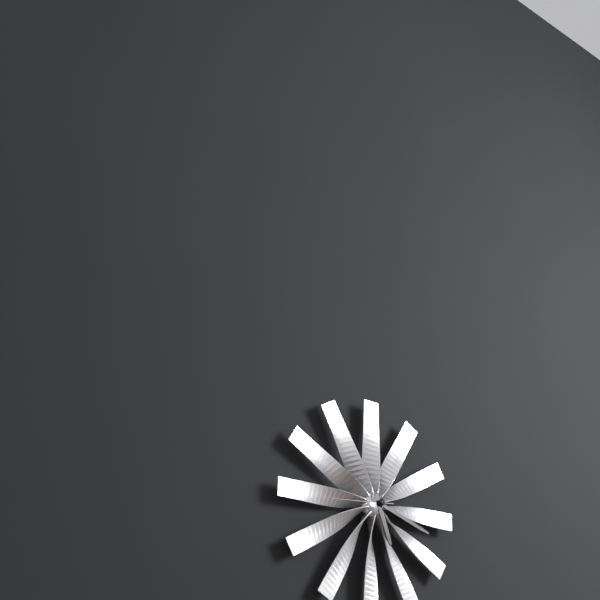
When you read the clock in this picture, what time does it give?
5:18:44
